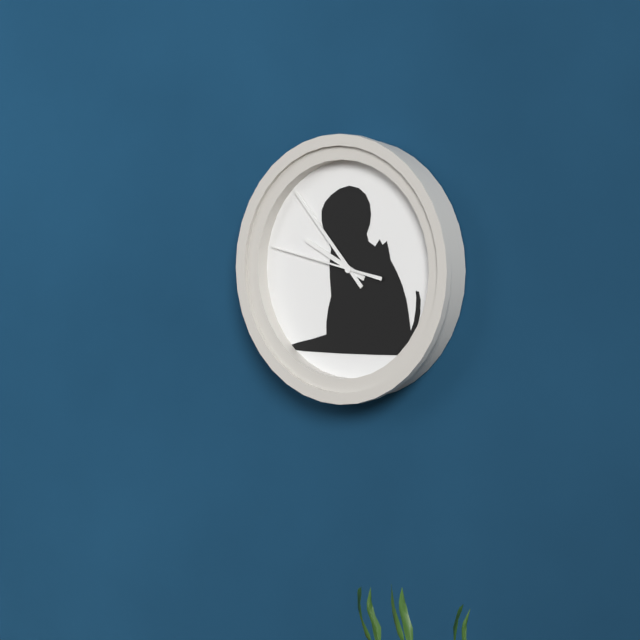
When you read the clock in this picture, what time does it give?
9:53:47
